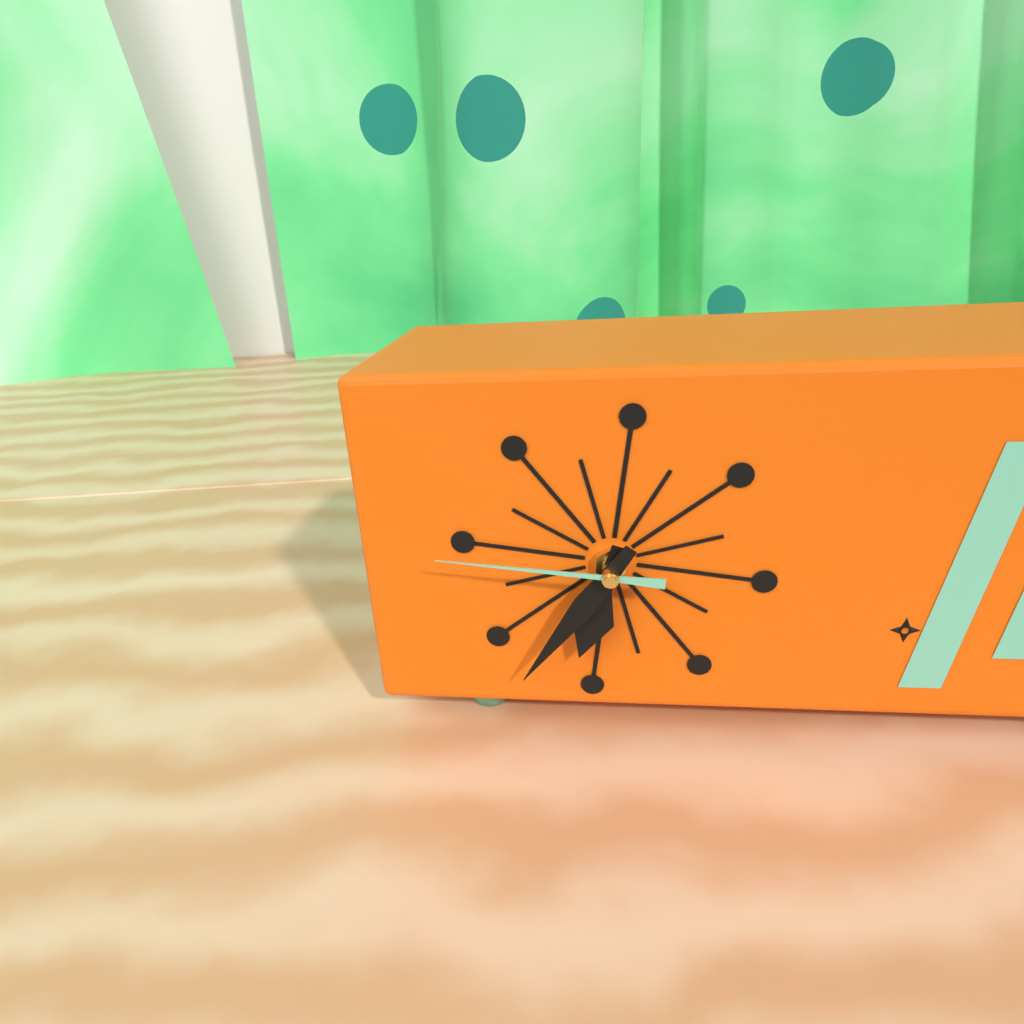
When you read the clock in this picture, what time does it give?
6:36:46
